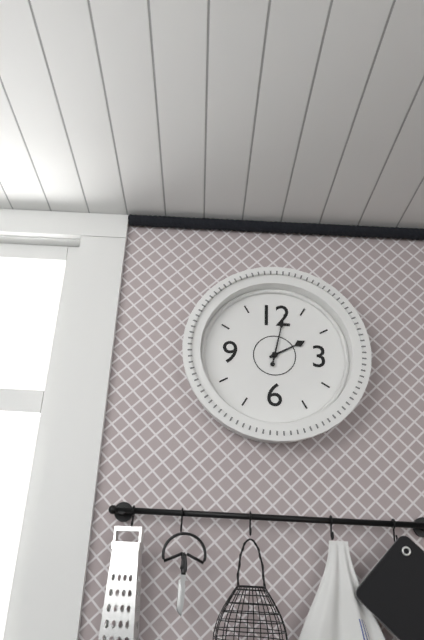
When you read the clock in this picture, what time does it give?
2:02
